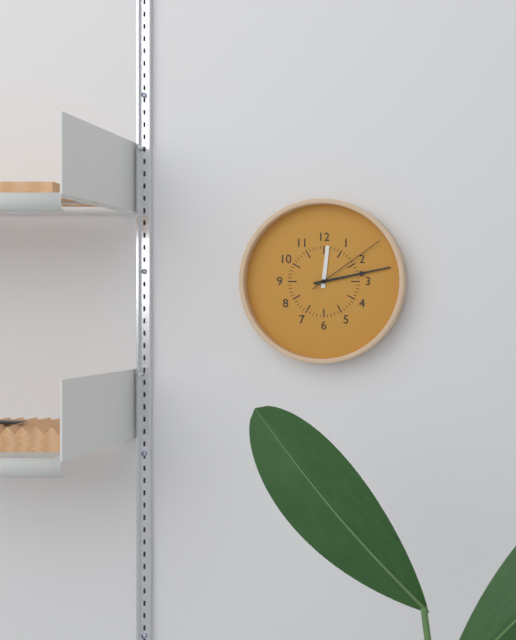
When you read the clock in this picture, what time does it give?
12:13:09
